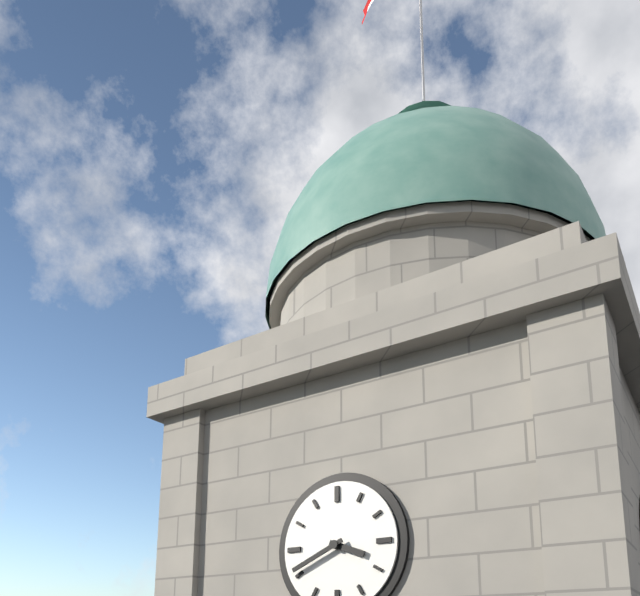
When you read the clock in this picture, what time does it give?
3:41
